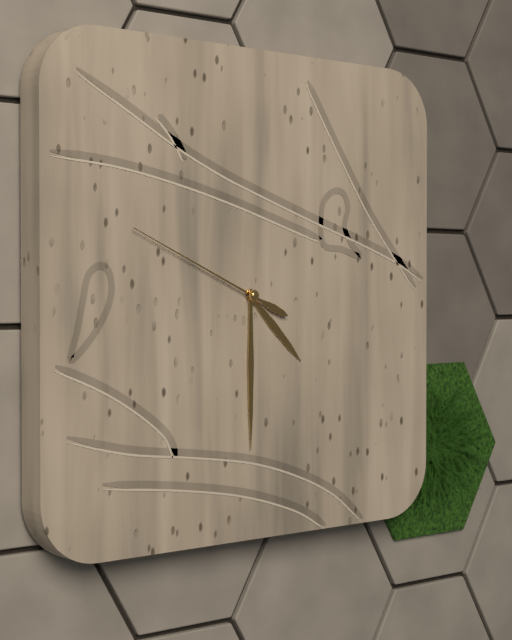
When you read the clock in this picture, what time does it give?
4:30:49
